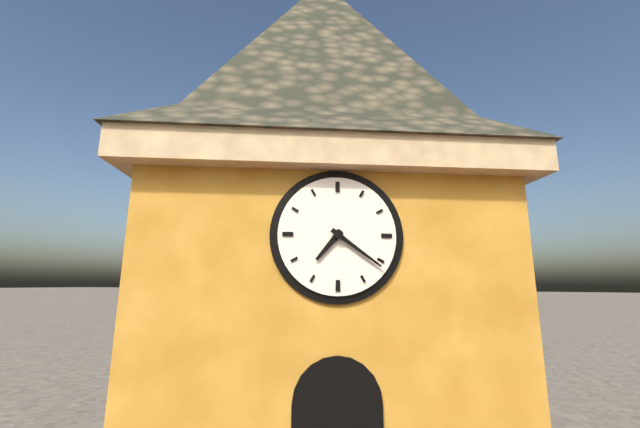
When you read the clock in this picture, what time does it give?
7:21
